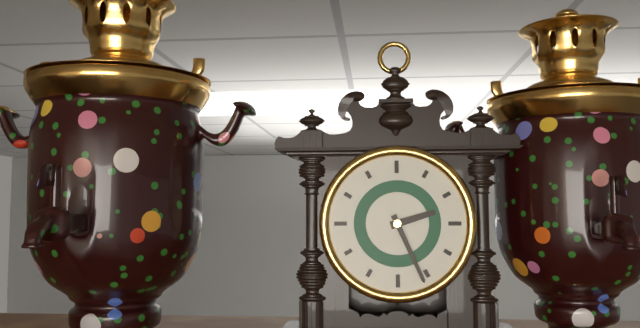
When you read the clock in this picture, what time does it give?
2:26
